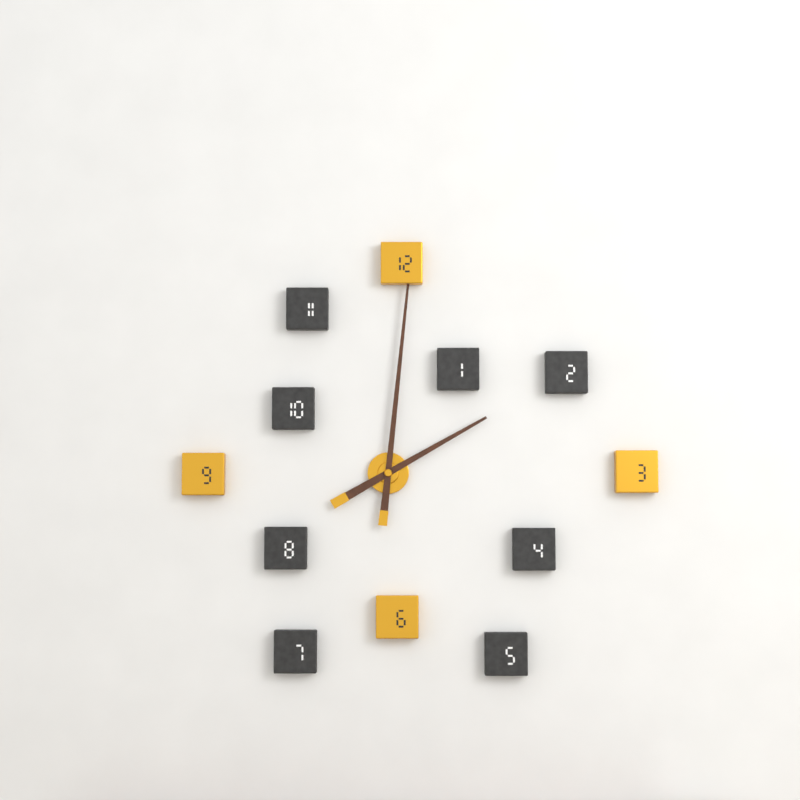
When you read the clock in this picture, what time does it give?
2:01
